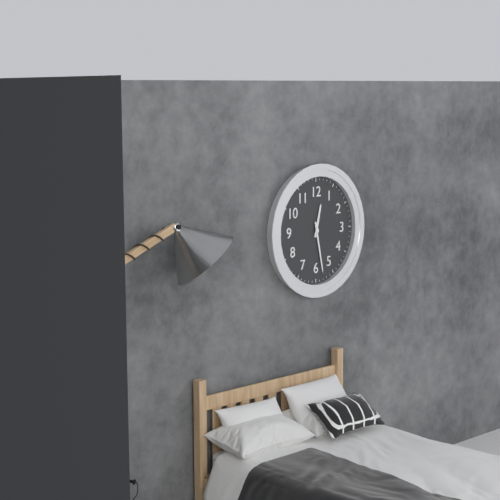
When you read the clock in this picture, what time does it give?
12:28
